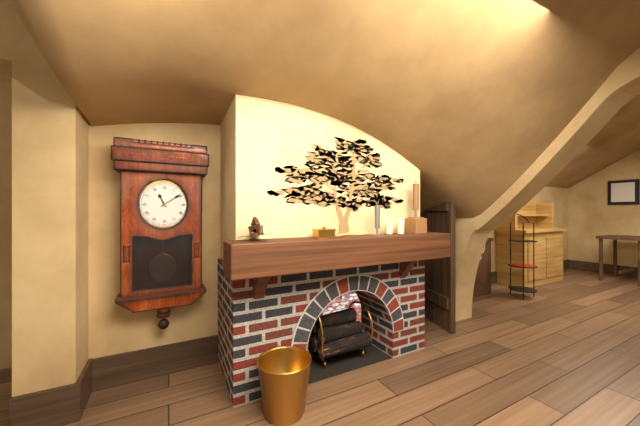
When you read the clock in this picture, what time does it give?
11:09
